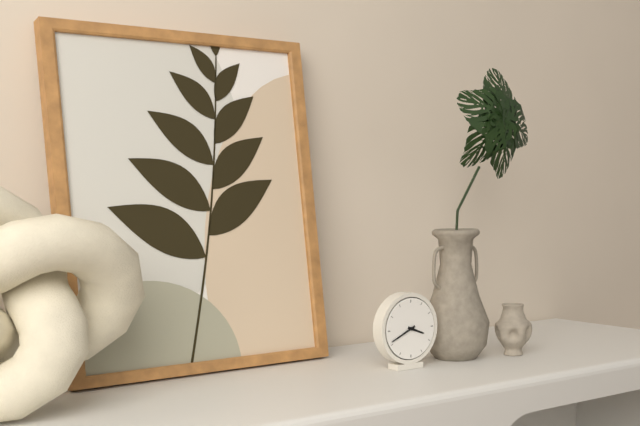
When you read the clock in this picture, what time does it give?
3:41
